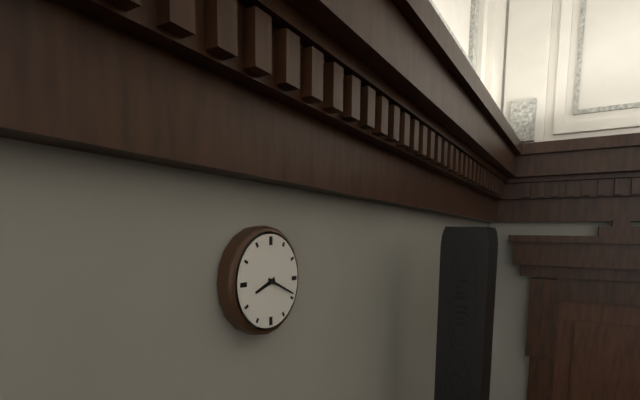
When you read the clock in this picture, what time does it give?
8:19
